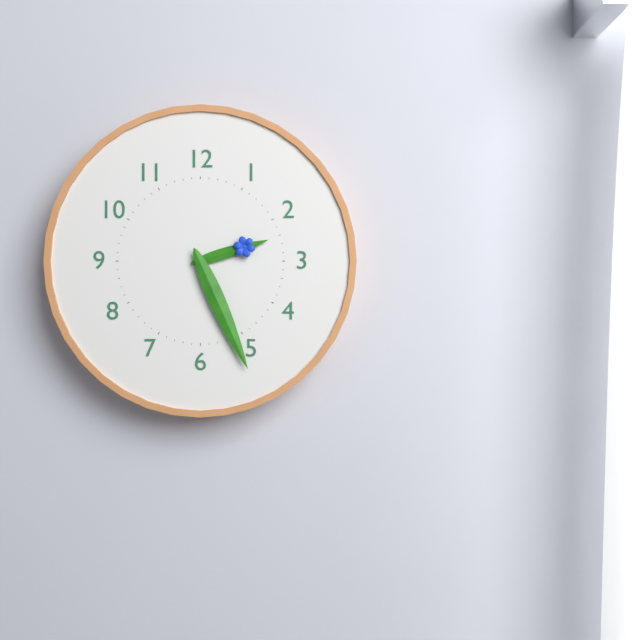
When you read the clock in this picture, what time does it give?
2:26
